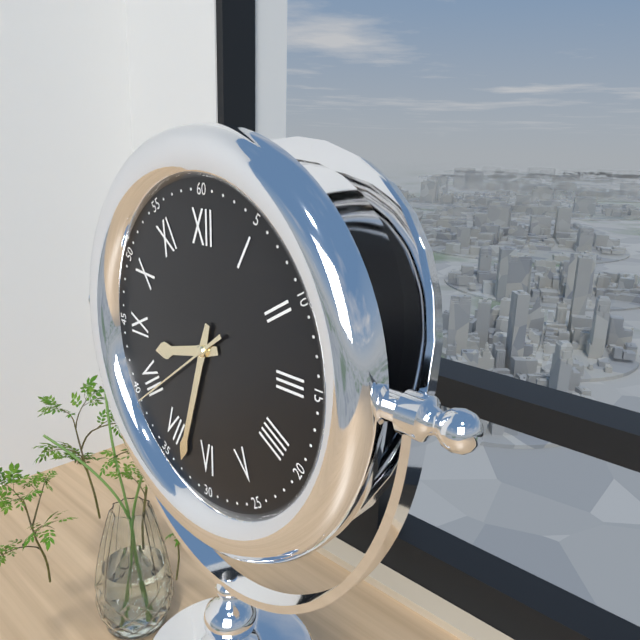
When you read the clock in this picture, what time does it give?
8:33:39
